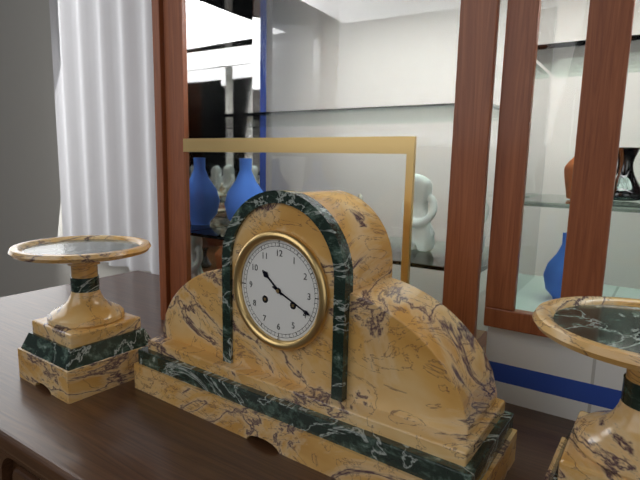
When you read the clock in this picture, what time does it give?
10:19
